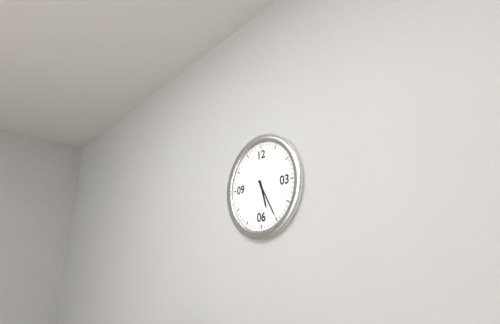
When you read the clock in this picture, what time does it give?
5:25
